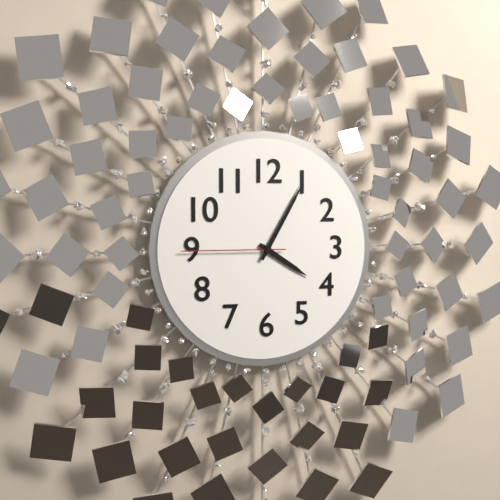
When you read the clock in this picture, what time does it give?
4:05:45
